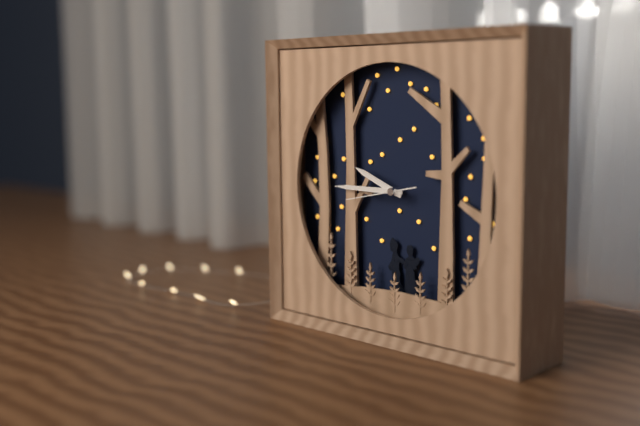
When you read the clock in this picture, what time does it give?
9:45:43
